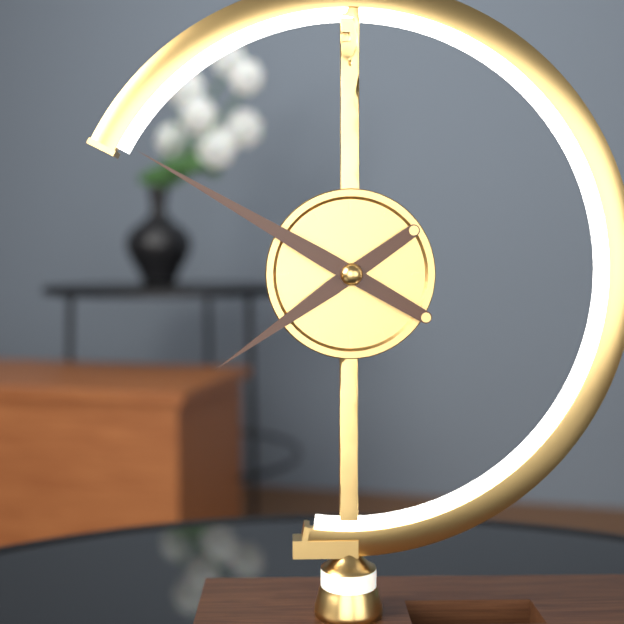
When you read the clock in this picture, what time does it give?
7:50
